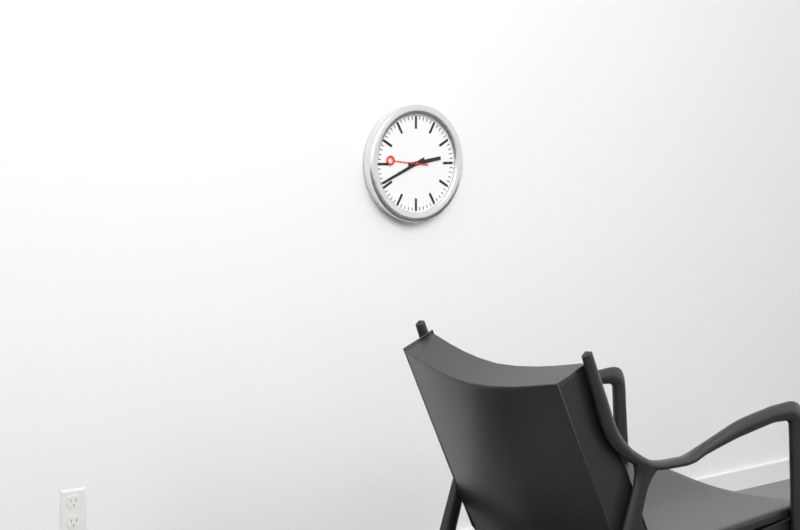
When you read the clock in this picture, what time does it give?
2:41
